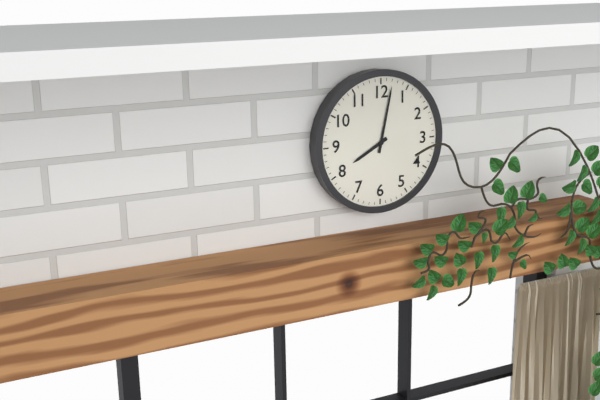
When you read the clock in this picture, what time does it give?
8:02
